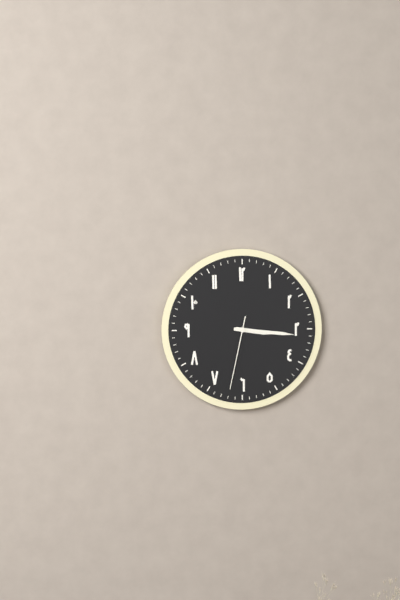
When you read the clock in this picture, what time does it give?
3:16:32
